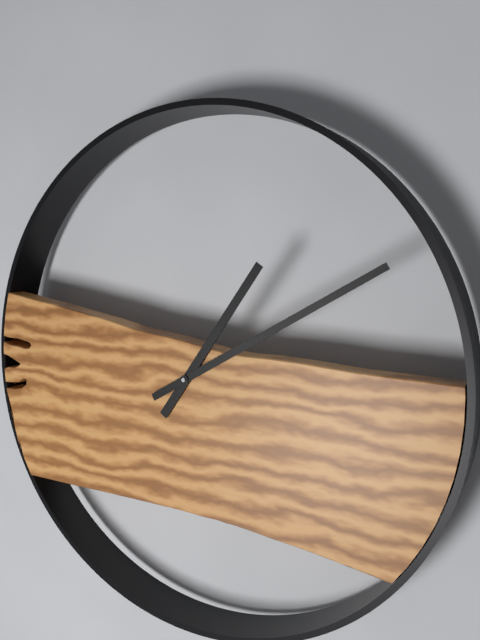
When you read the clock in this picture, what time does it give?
1:10
